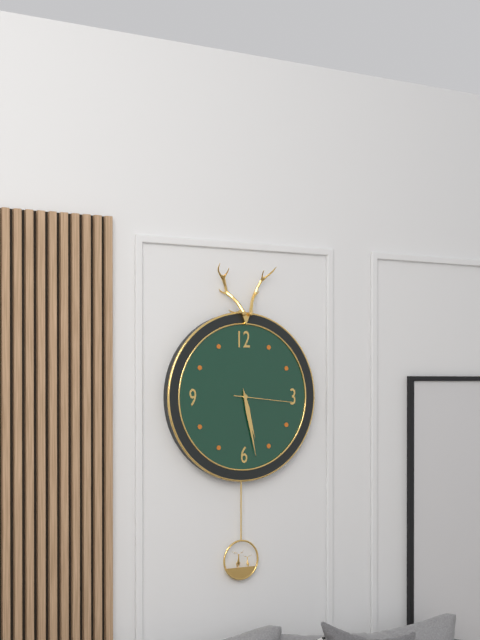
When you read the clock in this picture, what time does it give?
5:28:16
